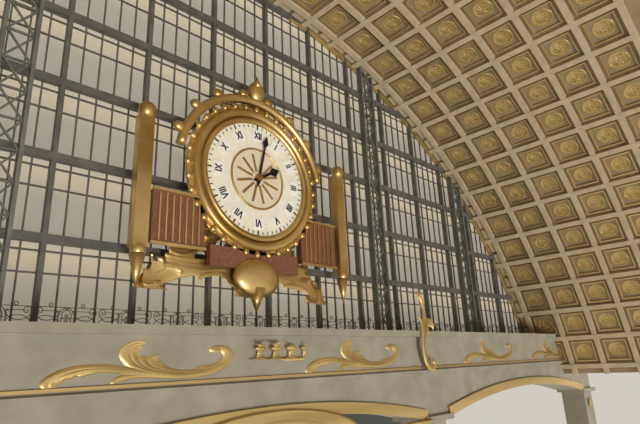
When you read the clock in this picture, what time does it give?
2:02
